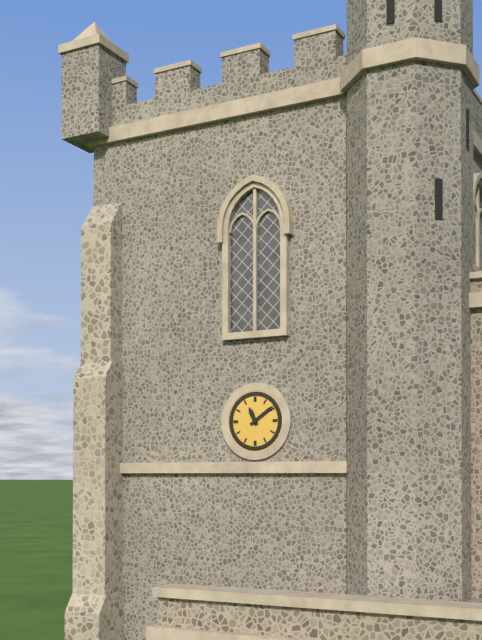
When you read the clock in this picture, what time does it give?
11:09
